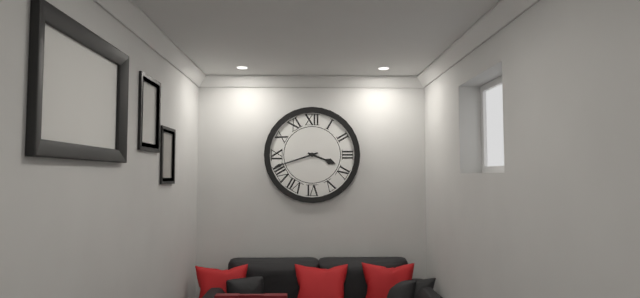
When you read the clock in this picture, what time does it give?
3:42
